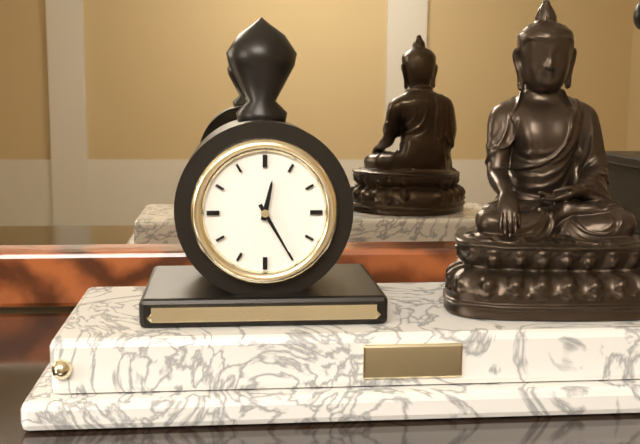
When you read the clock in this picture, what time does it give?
12:25
